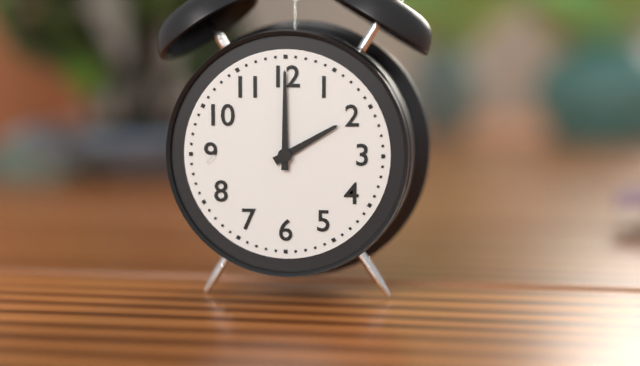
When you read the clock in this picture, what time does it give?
2:00
